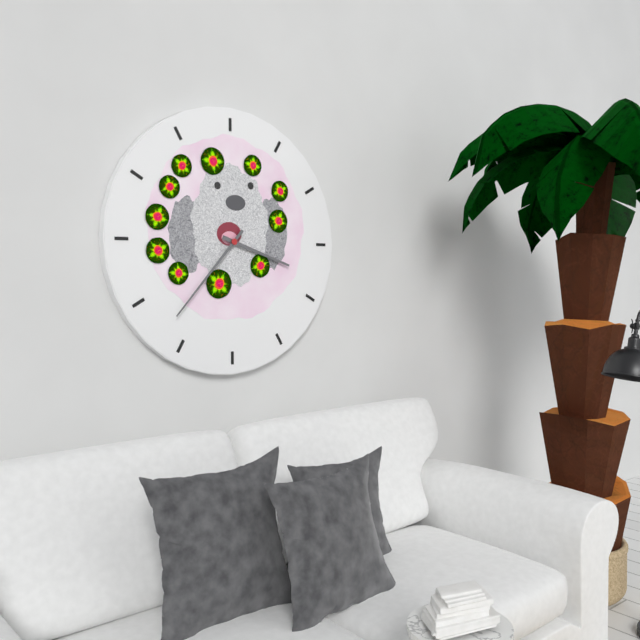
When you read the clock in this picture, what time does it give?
3:37
